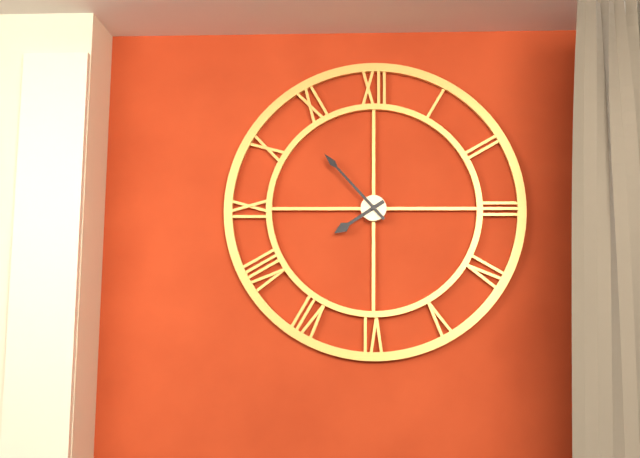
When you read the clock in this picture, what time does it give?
7:53
